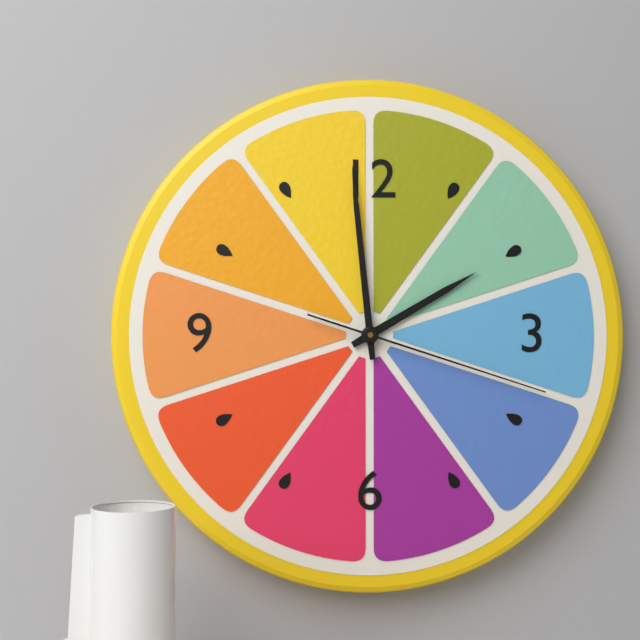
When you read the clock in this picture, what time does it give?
1:59:18
